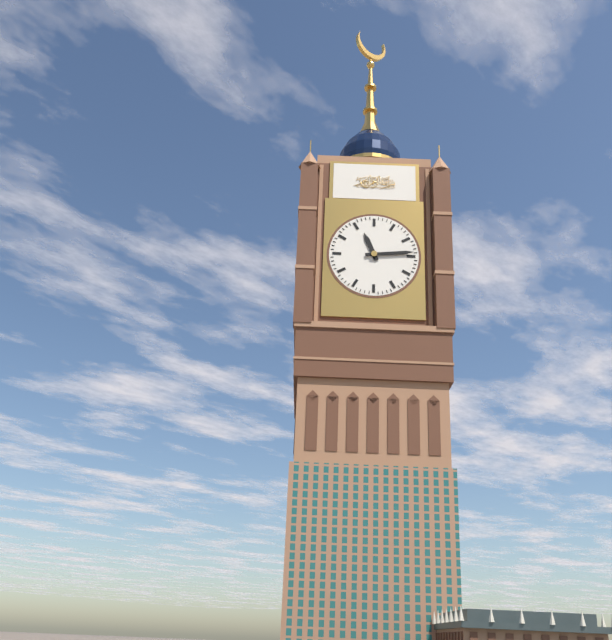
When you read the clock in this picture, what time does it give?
11:14
